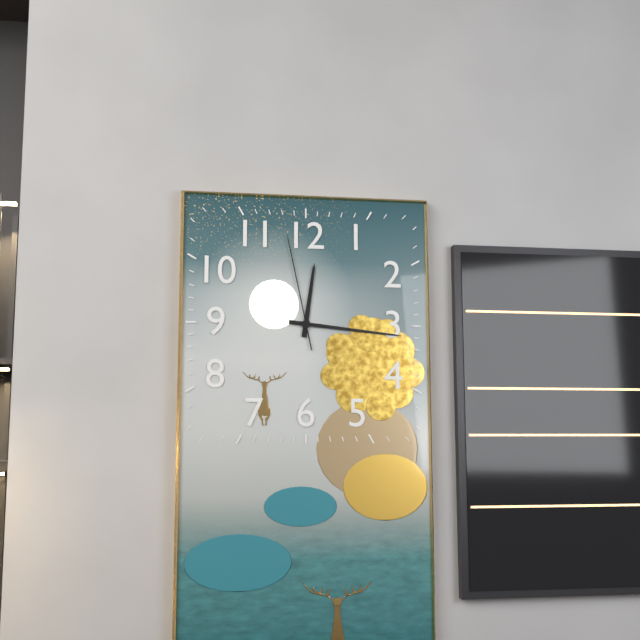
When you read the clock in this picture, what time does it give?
12:16:58
